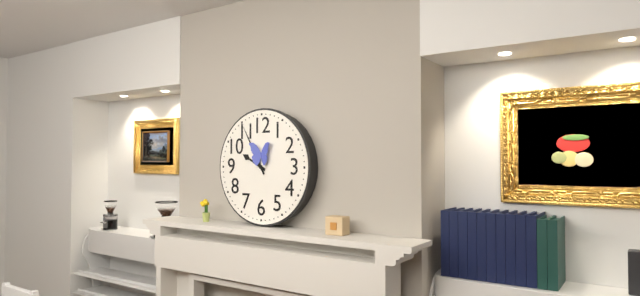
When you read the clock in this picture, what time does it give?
9:55
